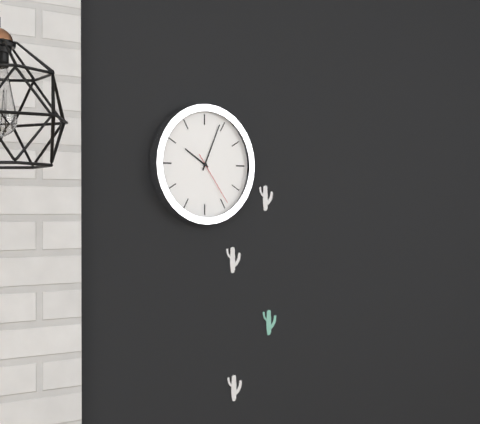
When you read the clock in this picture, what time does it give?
10:04:24
